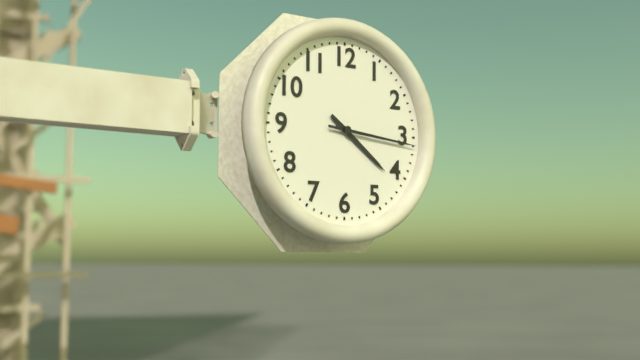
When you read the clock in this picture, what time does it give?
4:16
